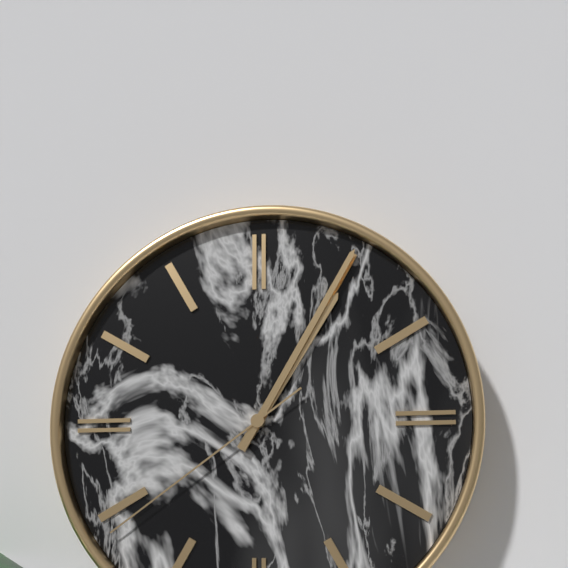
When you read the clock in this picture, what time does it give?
1:05:39
